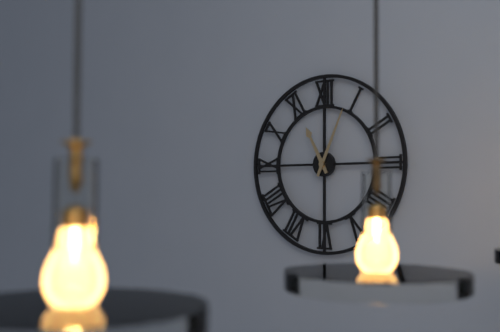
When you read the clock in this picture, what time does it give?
11:04
